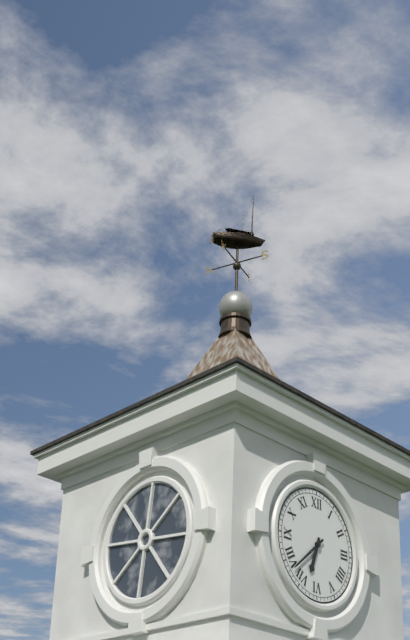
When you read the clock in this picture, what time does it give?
6:38
